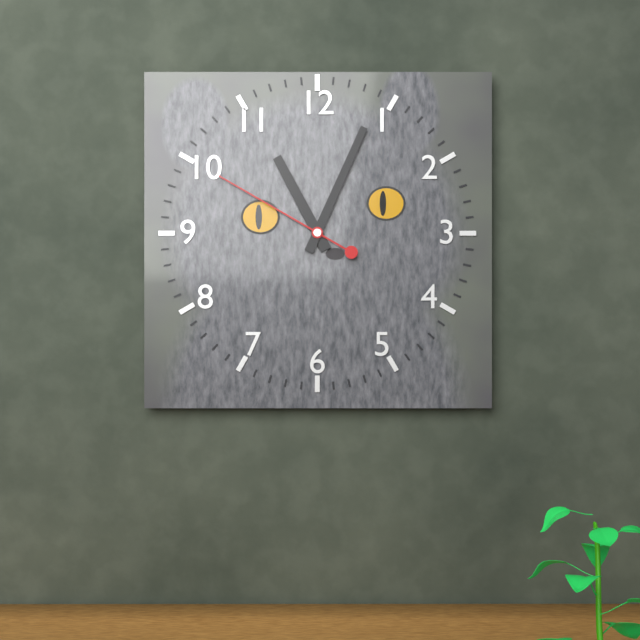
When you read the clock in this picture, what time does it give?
11:04:50
